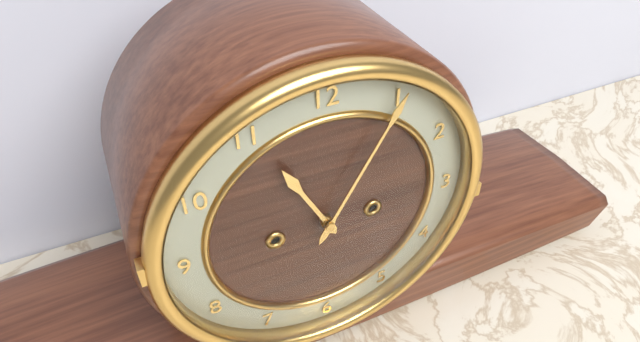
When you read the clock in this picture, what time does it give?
11:05
